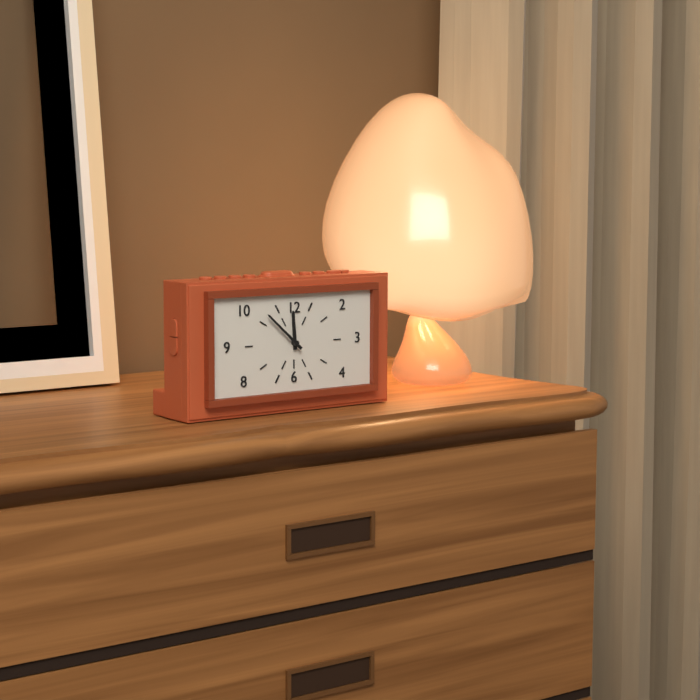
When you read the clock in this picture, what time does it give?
11:52
